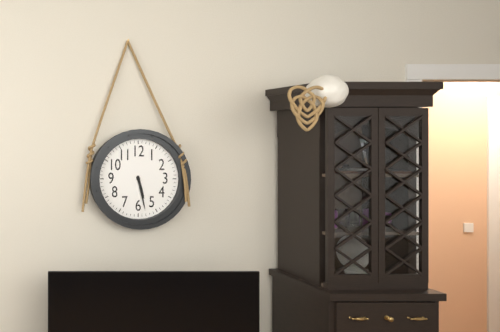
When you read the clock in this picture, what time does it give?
5:28
